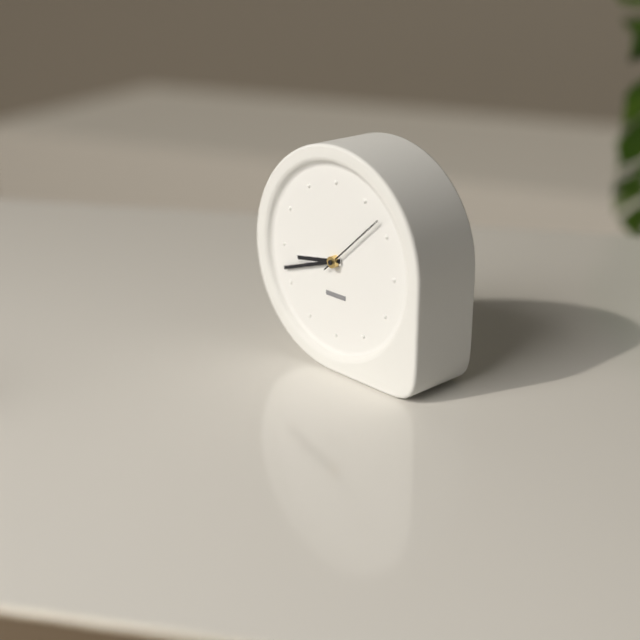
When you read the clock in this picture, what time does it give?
8:42:08
